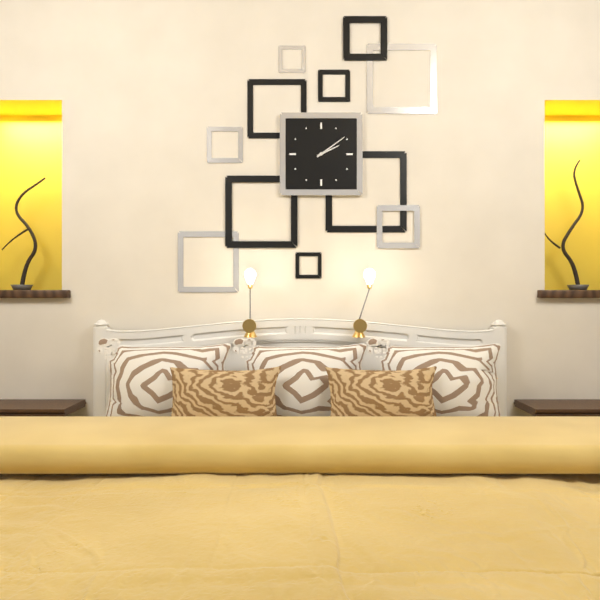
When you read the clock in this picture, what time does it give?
2:09
